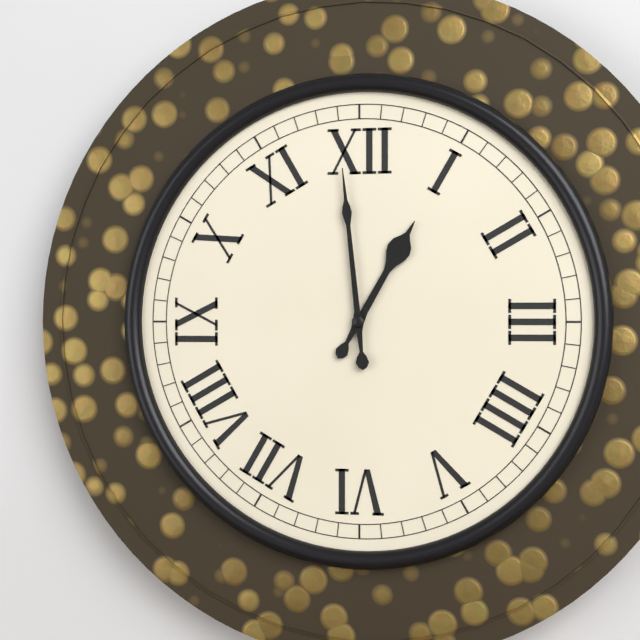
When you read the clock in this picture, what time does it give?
12:59
